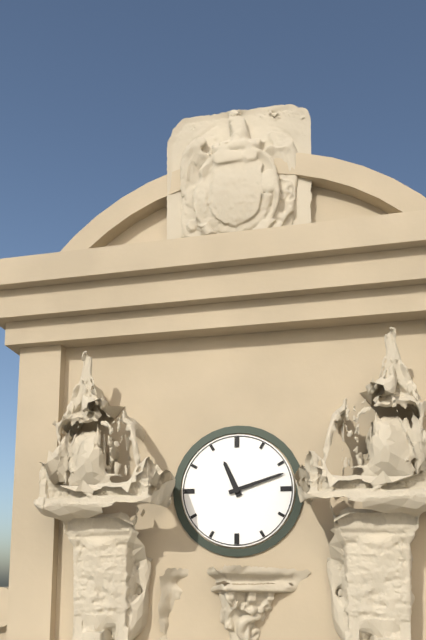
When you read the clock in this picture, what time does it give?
11:12
